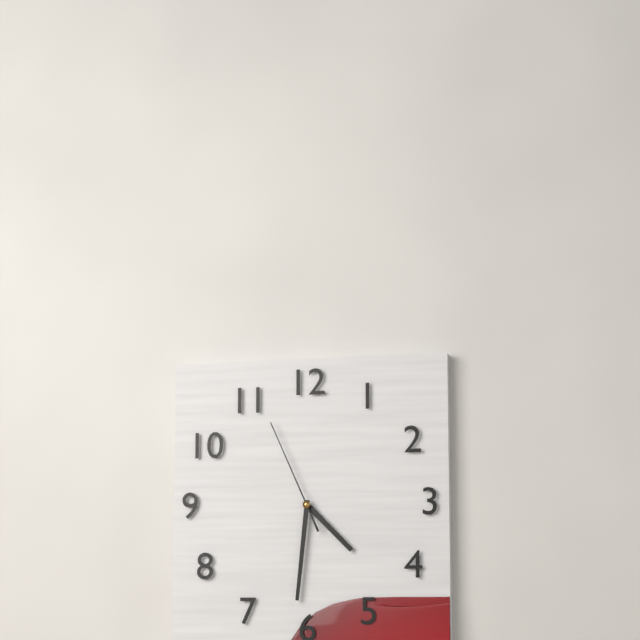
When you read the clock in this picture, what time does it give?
4:31:56
